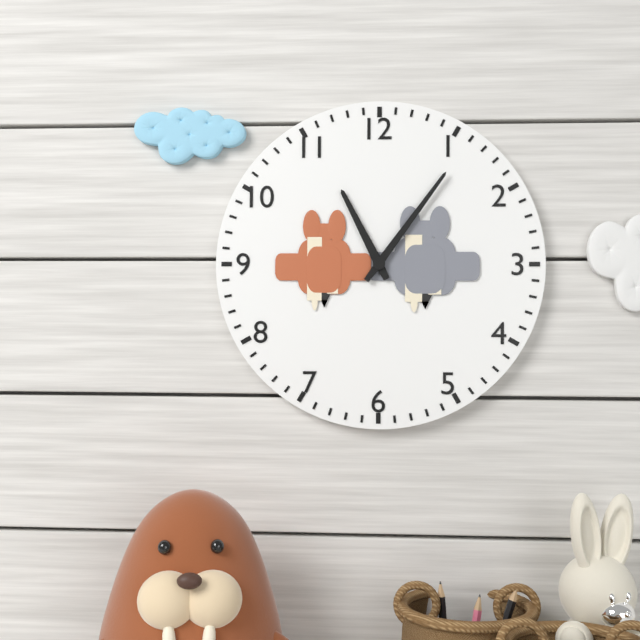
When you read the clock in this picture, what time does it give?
11:06
